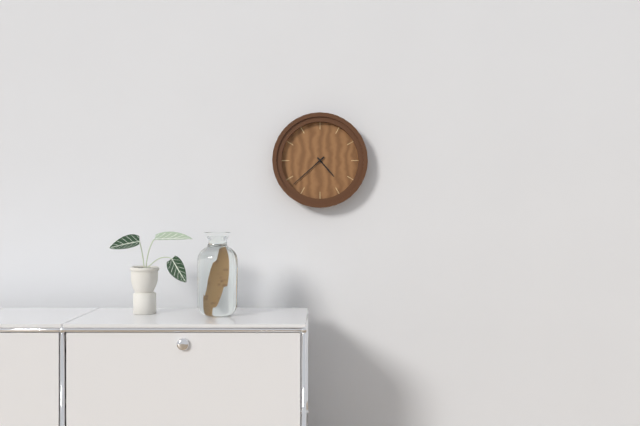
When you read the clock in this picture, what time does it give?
4:38
